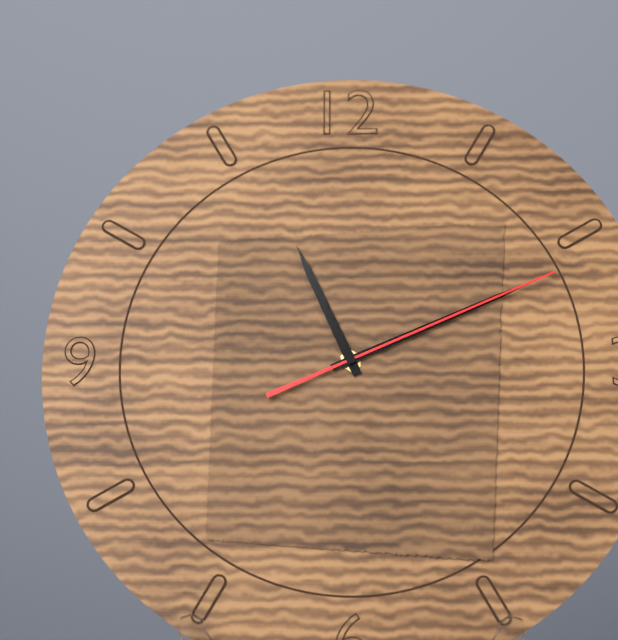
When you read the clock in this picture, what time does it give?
11:11:11
